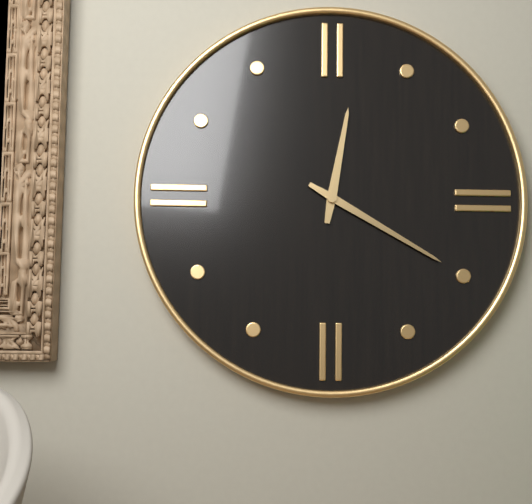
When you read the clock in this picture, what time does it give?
12:20
